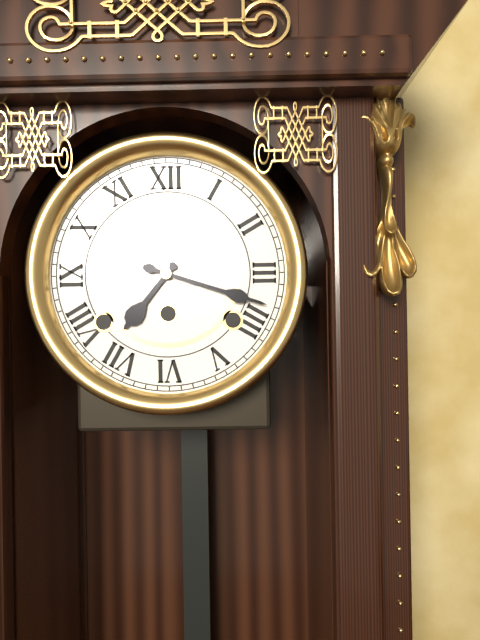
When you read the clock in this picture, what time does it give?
7:18
